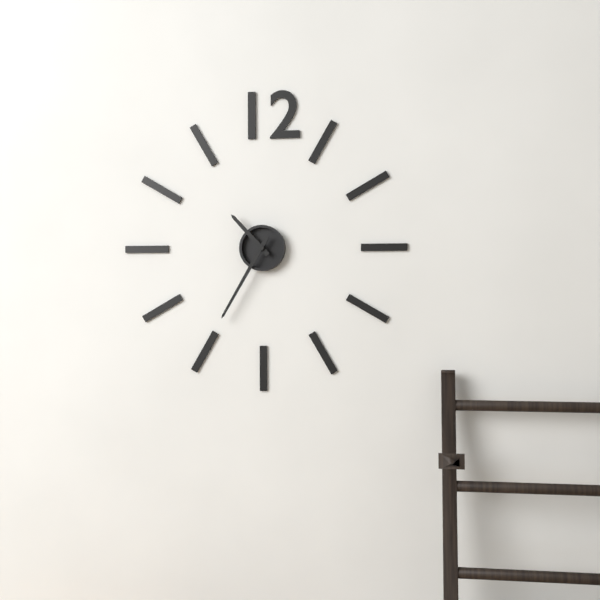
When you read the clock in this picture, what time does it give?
10:35
